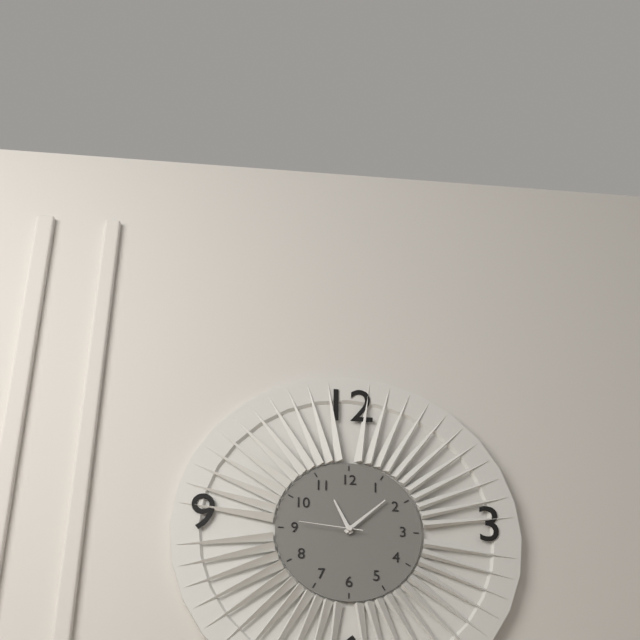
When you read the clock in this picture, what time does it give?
11:08:46
